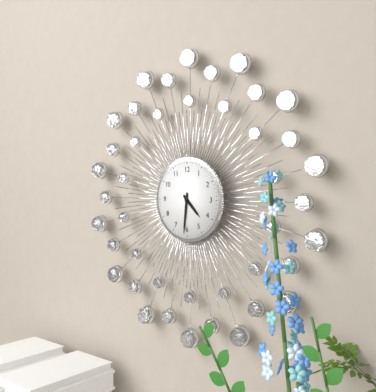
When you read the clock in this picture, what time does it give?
4:31
